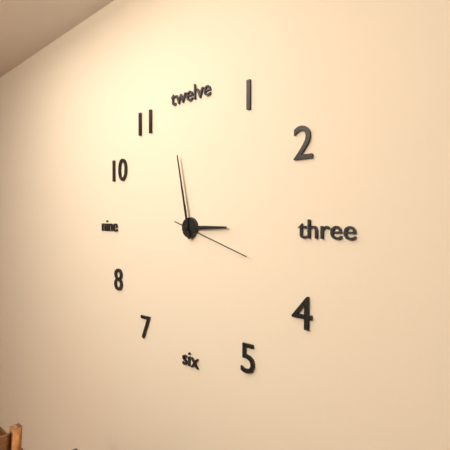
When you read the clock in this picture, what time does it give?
2:58:18
